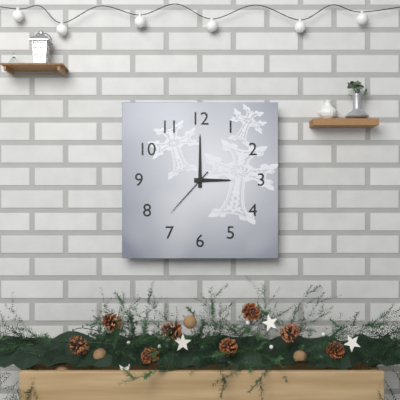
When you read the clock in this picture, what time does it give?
3:00:37
